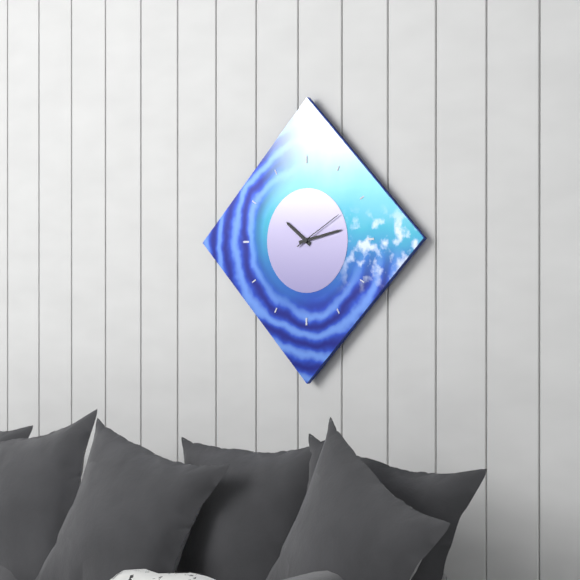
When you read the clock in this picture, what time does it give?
10:13:10
